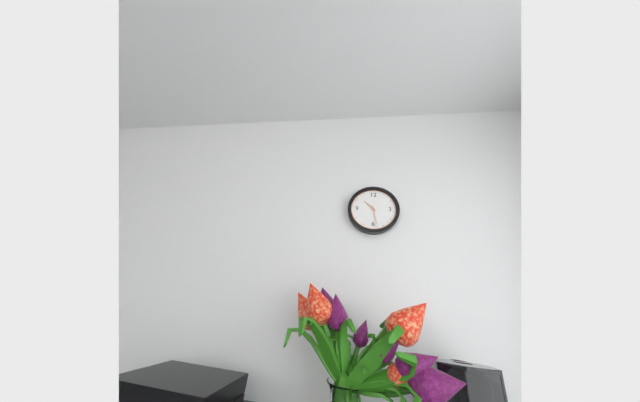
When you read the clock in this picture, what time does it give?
10:28
